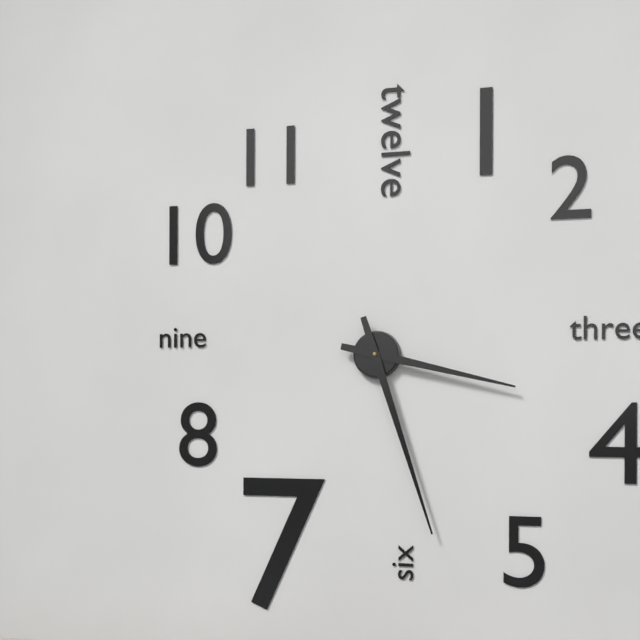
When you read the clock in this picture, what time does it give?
3:27
